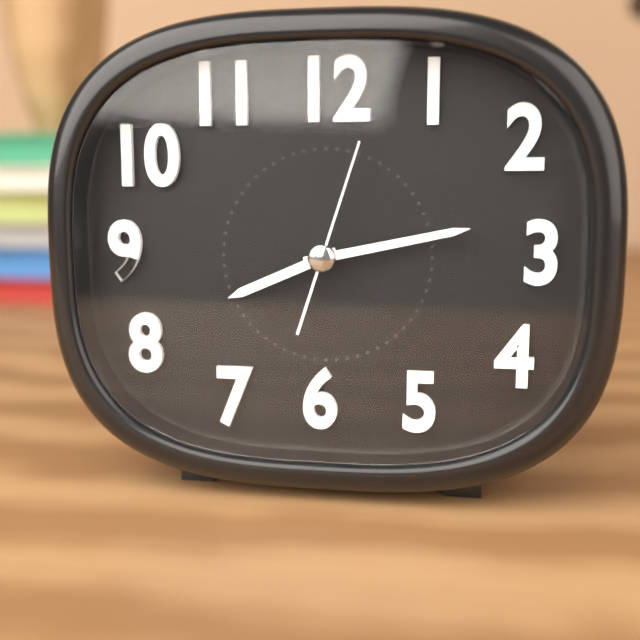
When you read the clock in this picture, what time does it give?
8:13:03
